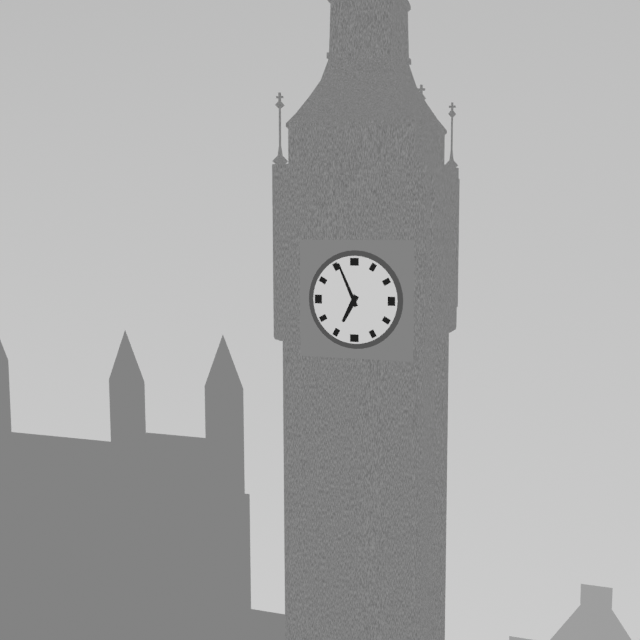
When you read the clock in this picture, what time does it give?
6:56
